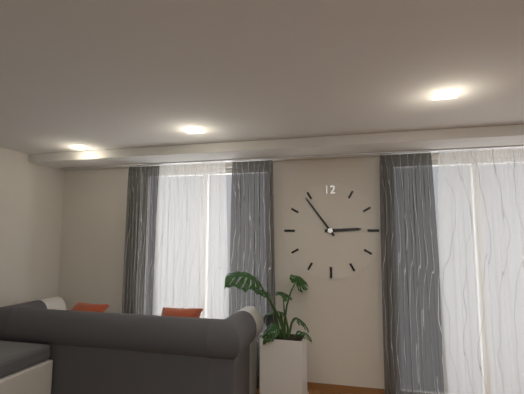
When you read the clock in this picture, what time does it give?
2:54
